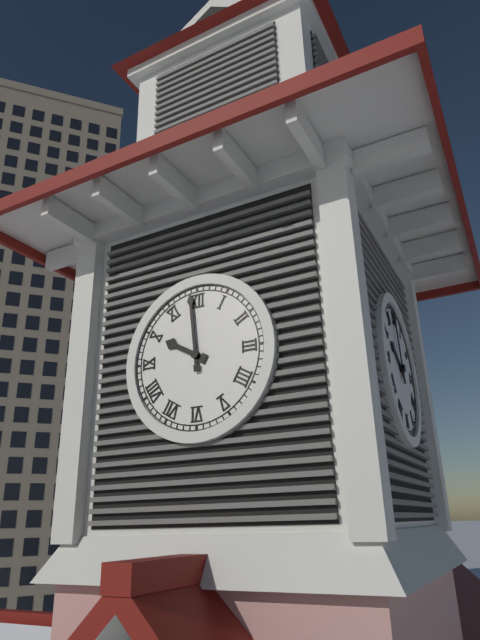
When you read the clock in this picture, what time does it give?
9:59
